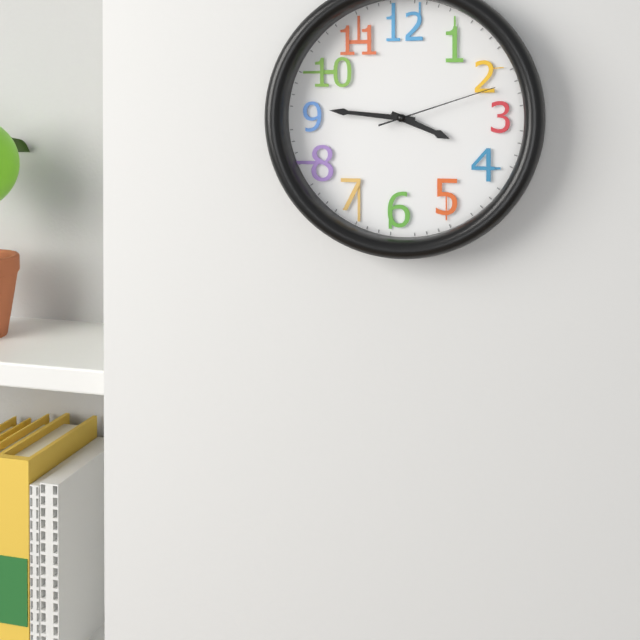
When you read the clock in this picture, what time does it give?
3:46:12
